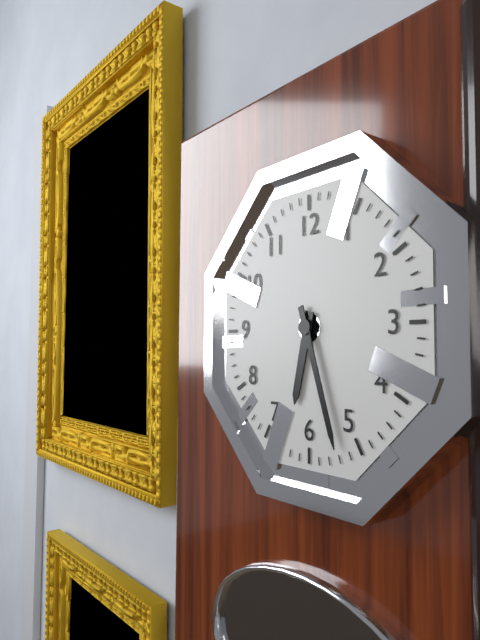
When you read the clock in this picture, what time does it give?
6:27
